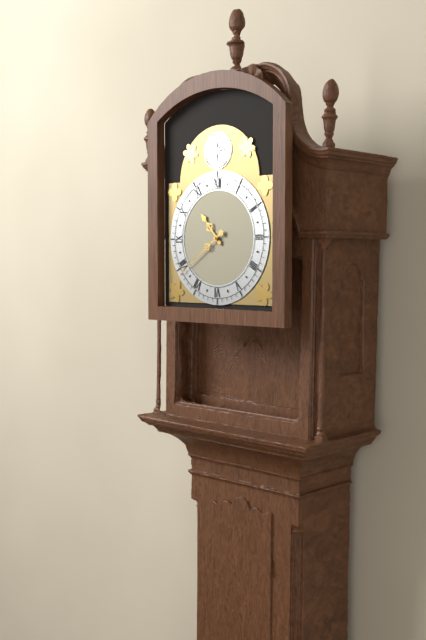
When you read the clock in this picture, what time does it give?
10:39
